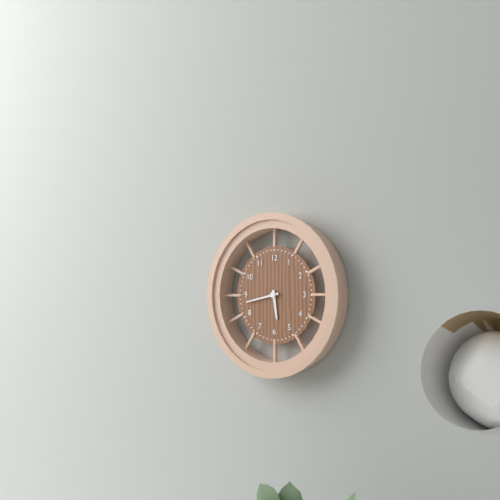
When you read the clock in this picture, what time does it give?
5:43
